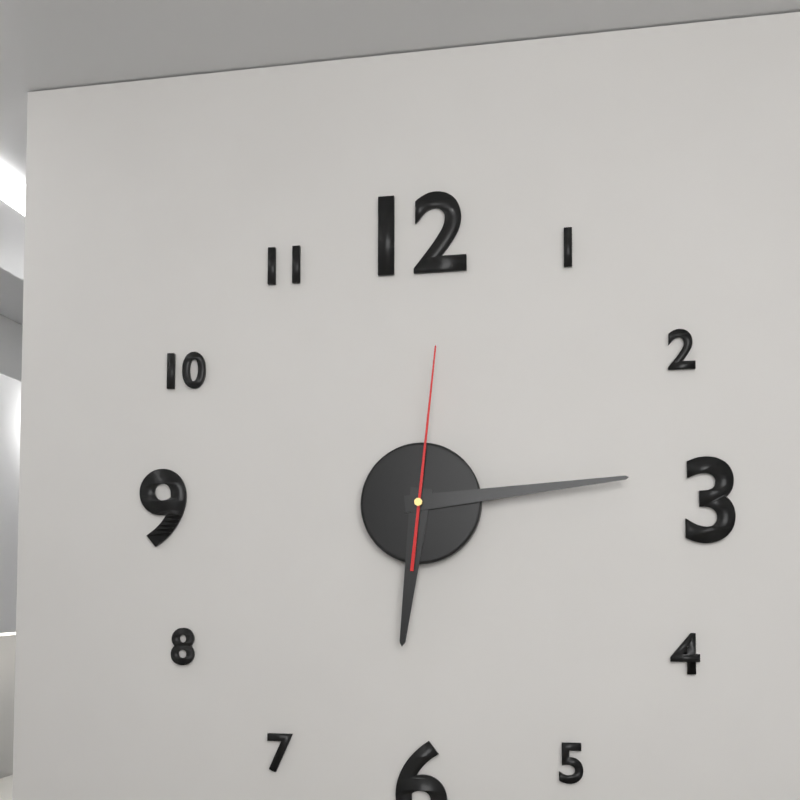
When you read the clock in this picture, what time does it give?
6:14:01
